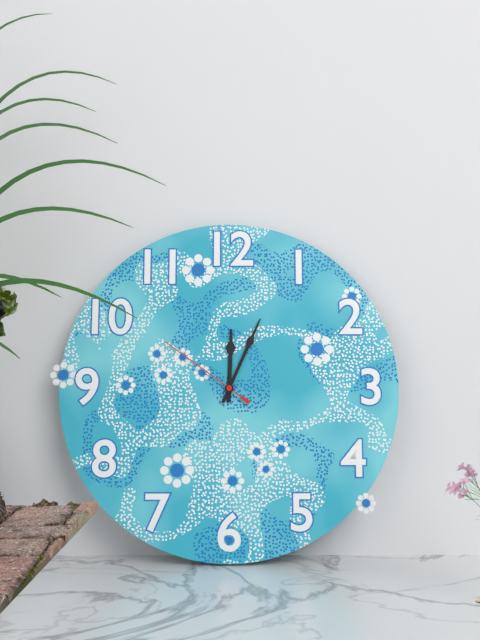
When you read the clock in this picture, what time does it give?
12:04:51
